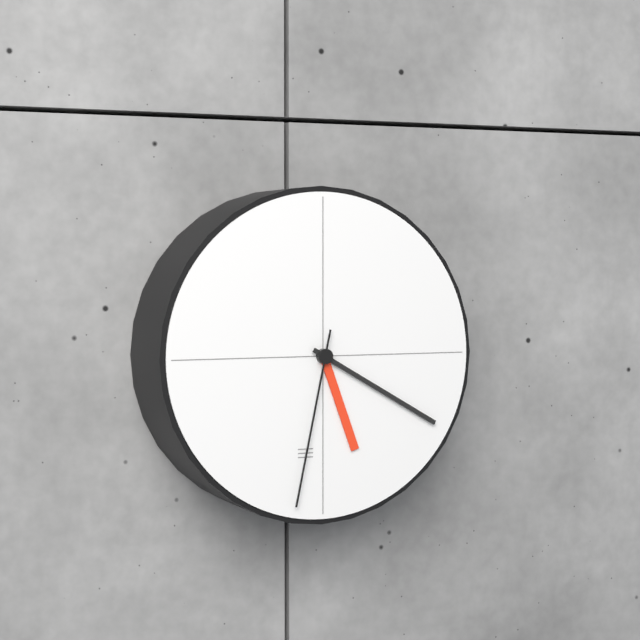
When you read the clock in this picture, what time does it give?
5:20:32
